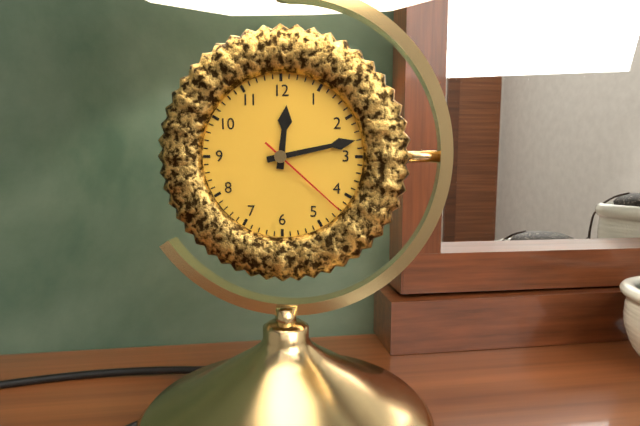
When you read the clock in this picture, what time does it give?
12:13:22
